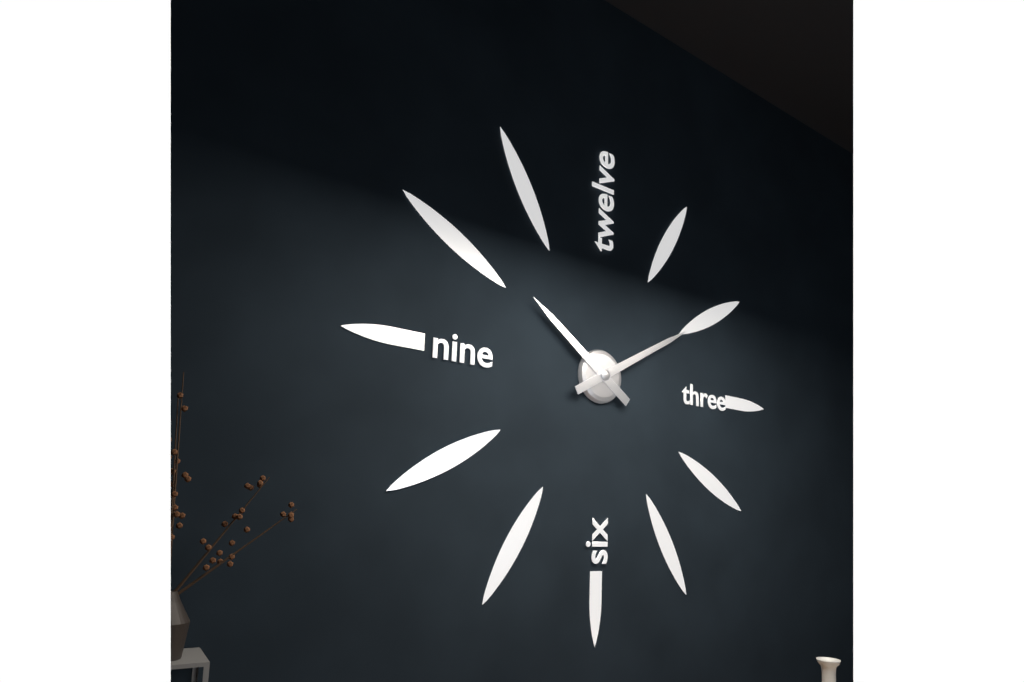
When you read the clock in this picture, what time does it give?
10:10
